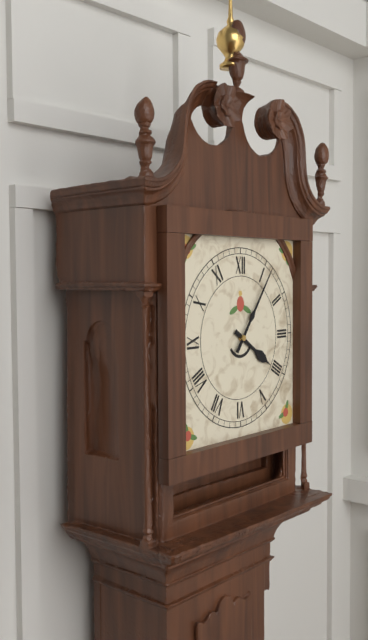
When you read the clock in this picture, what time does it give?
4:06
